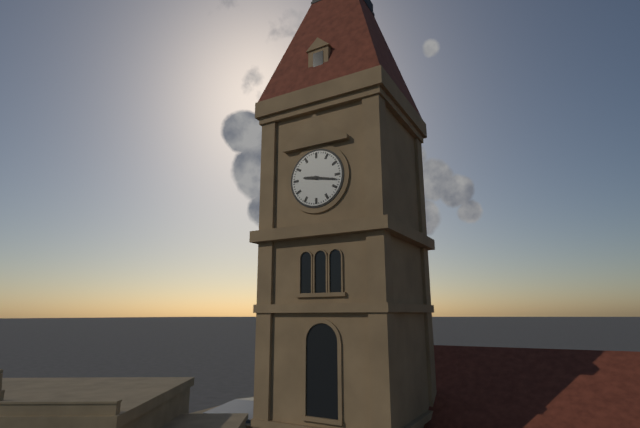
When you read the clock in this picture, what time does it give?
9:17
